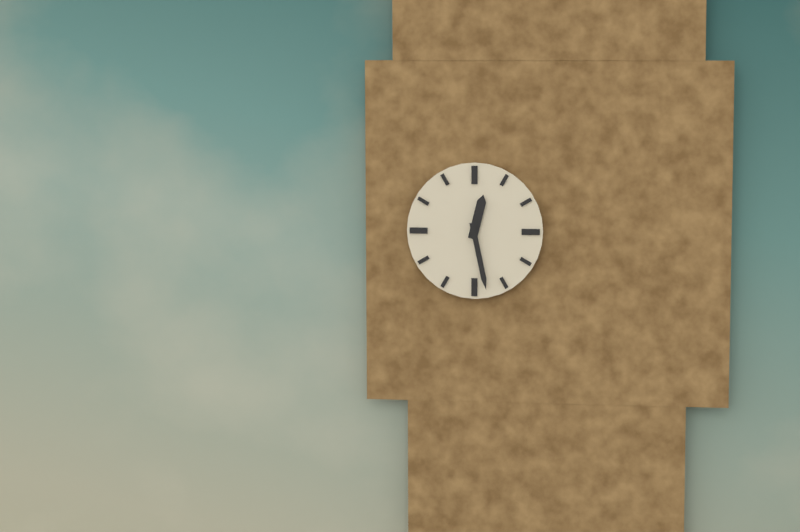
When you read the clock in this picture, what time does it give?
12:28
